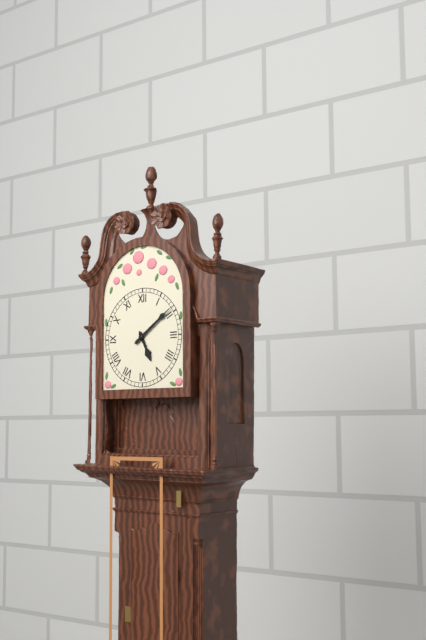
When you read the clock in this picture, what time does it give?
5:09
